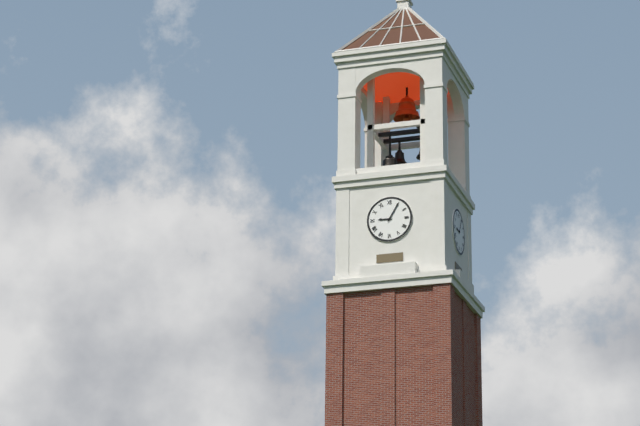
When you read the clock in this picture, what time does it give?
9:05
